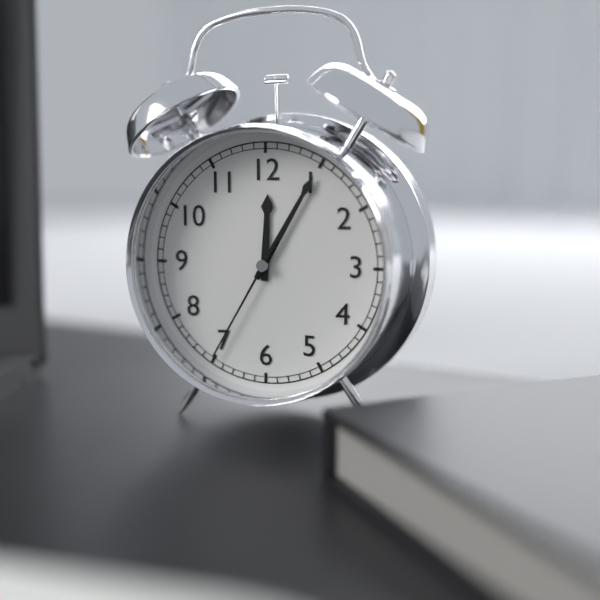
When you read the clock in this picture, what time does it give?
12:05:35
